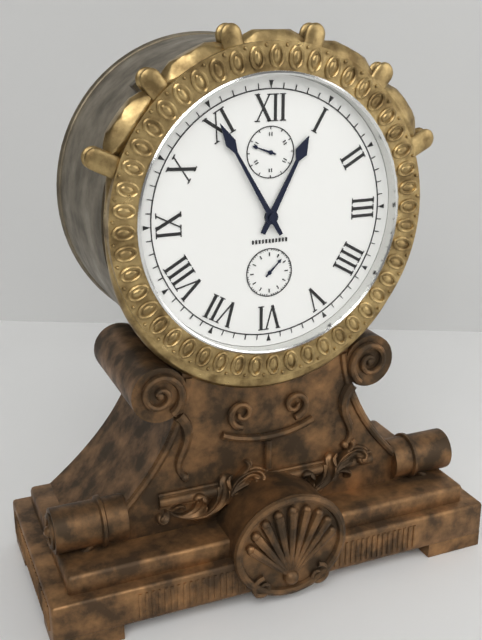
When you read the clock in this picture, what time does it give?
12:55
